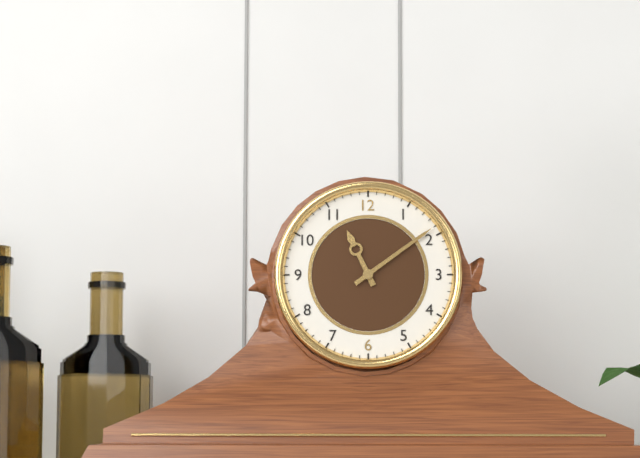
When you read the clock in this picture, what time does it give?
11:09
